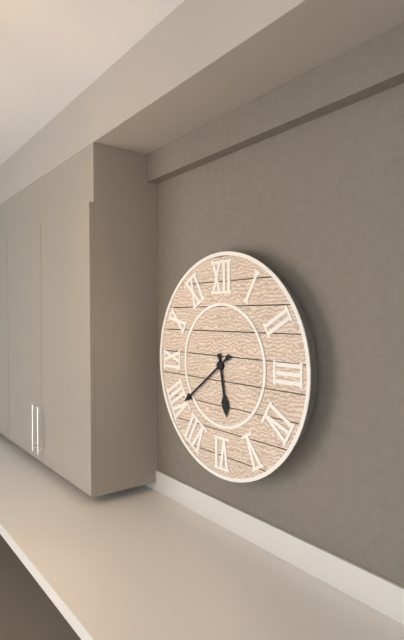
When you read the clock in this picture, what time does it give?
5:39
